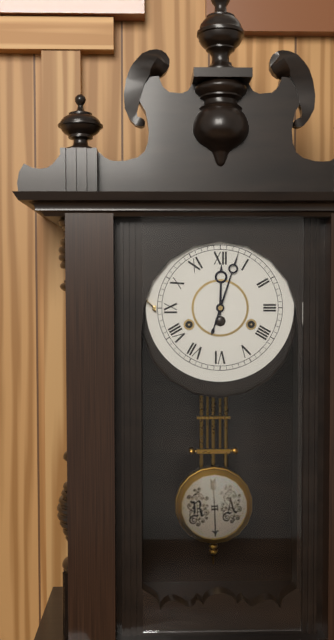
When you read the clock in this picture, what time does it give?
12:03
